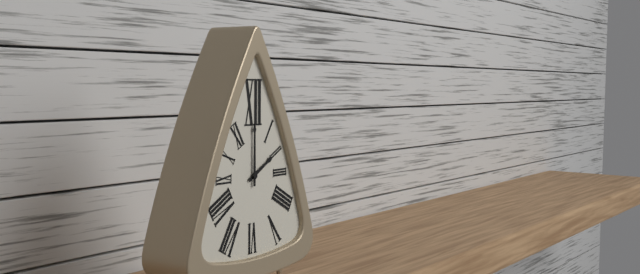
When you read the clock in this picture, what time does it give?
2:00
